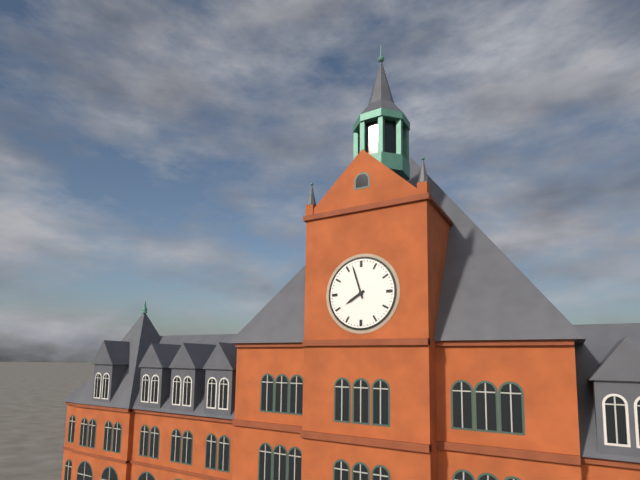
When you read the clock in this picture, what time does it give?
7:57
